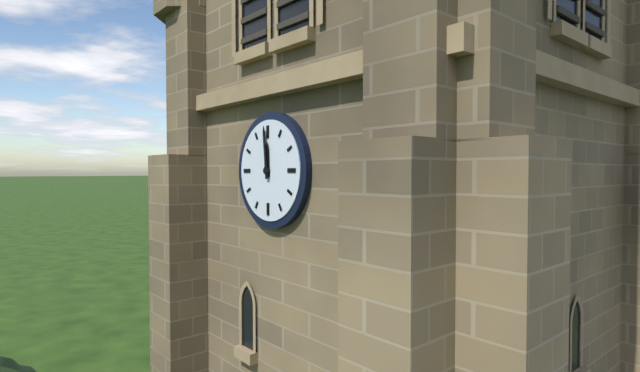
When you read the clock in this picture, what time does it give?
11:59
